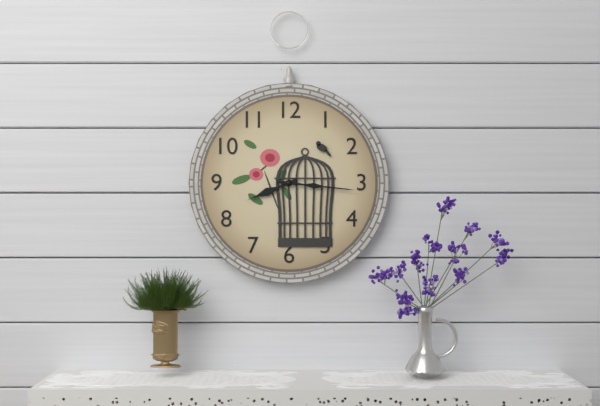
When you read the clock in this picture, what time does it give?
8:16
